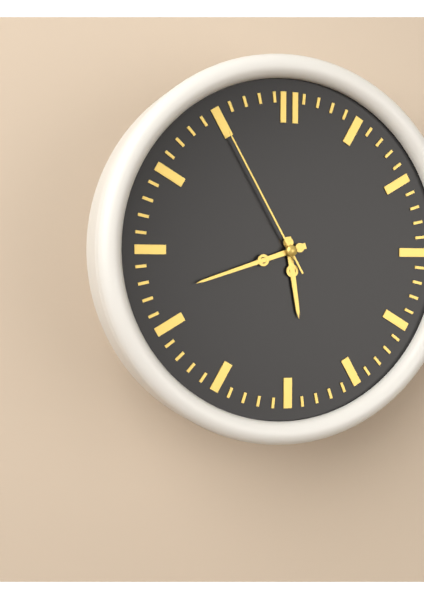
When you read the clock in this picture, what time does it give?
5:42:55
